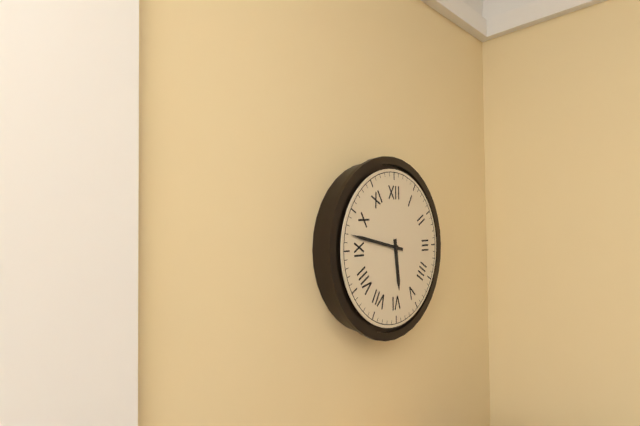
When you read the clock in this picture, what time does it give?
5:47
